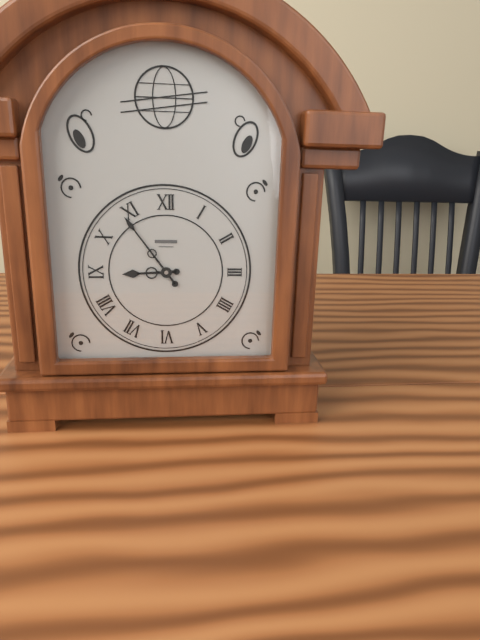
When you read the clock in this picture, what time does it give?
8:54
